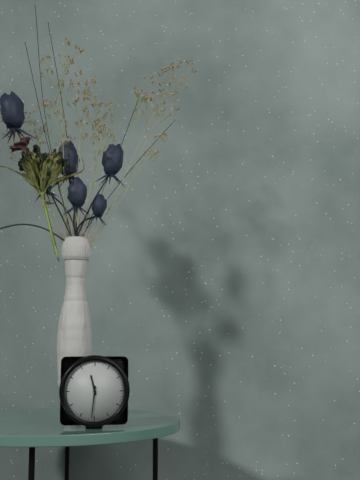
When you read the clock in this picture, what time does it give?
11:31
